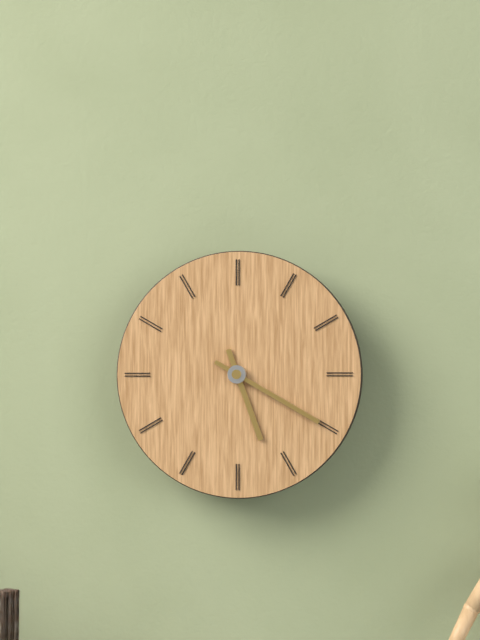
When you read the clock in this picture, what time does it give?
5:20
